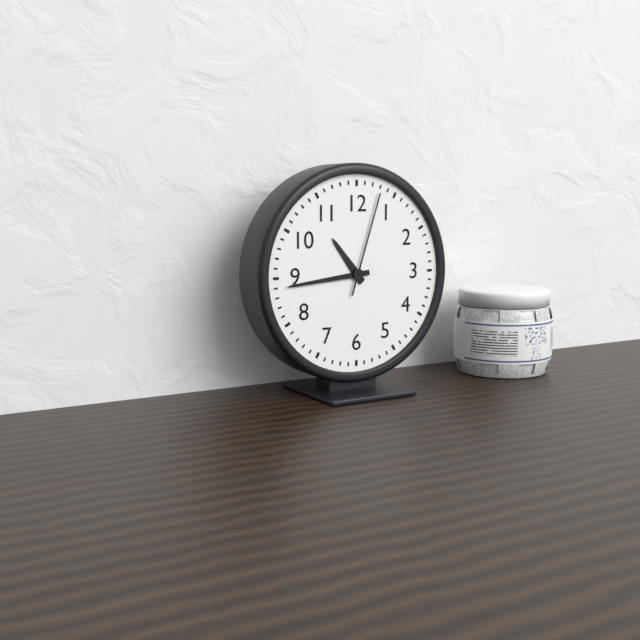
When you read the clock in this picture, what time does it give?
10:44:03
